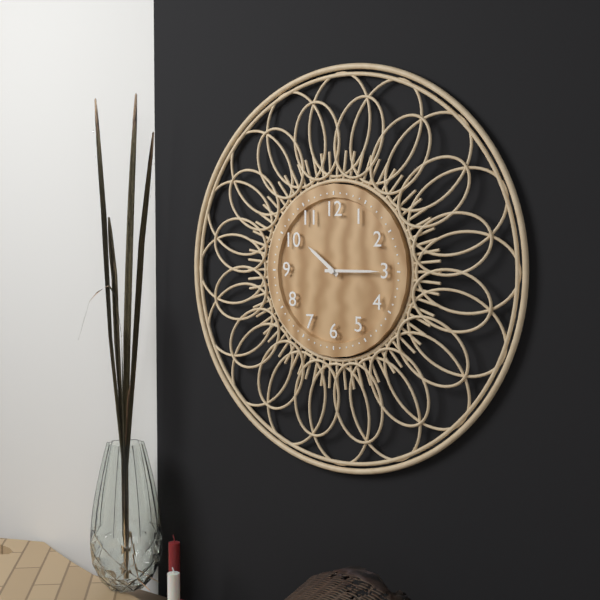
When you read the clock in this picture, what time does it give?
10:15
